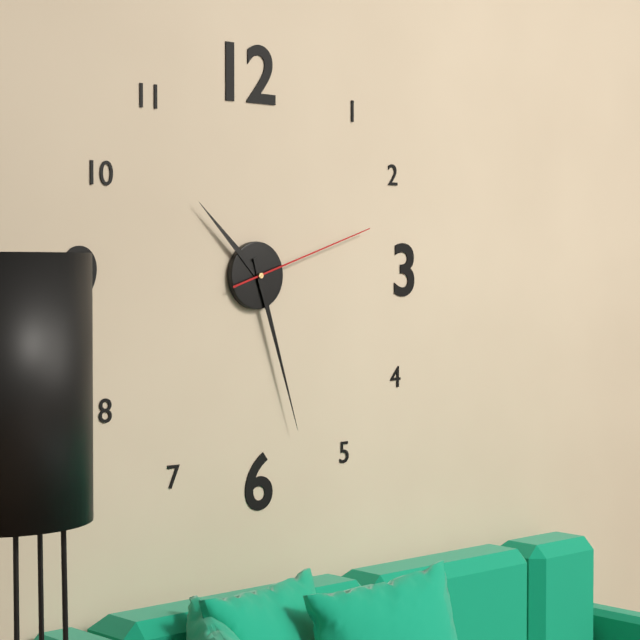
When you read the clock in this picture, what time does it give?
10:27:12
